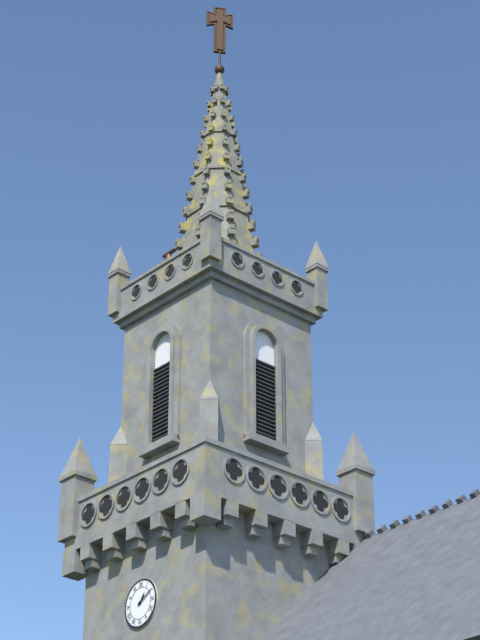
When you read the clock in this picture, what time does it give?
1:10
